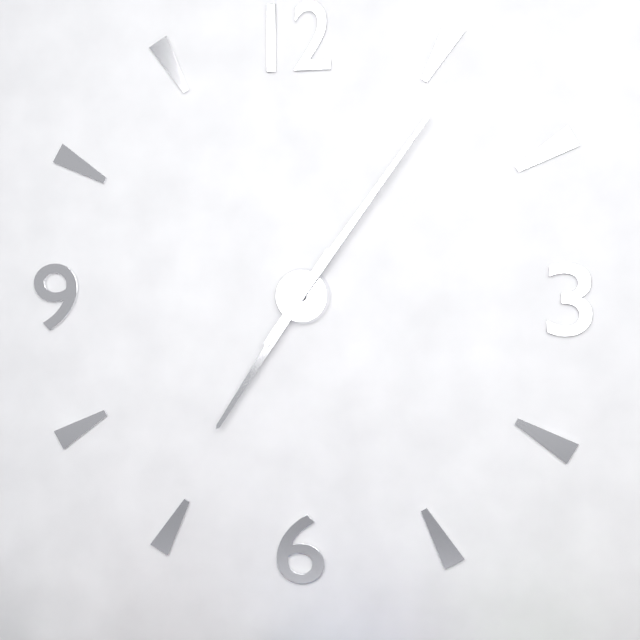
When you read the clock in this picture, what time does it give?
7:06
